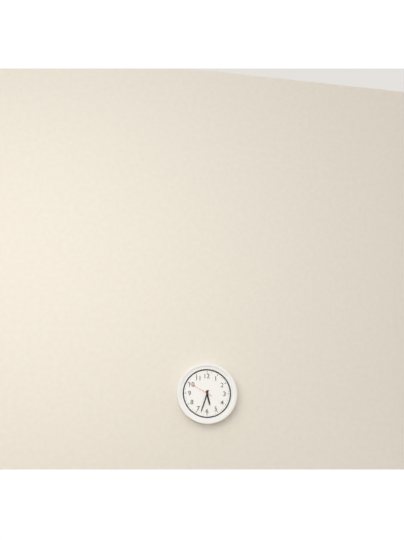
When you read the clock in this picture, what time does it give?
5:33
